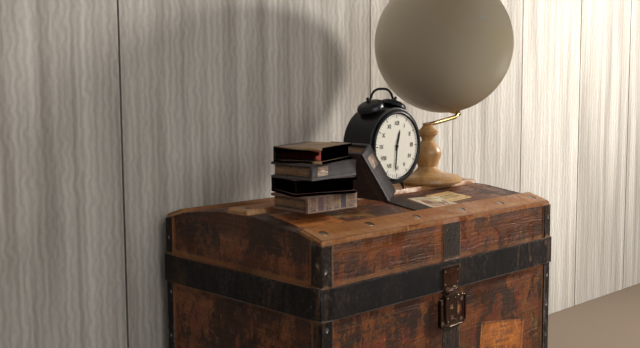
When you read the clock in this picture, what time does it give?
12:31
